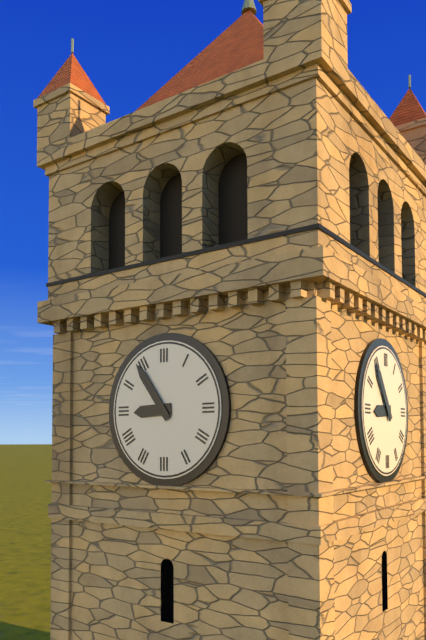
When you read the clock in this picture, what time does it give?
8:54
